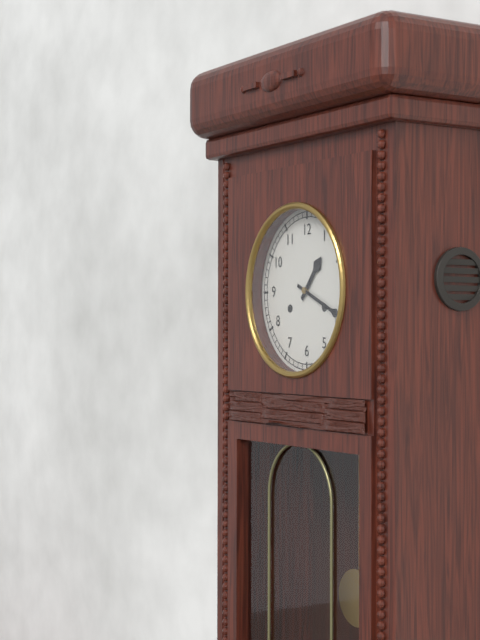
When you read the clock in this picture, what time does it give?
1:19
